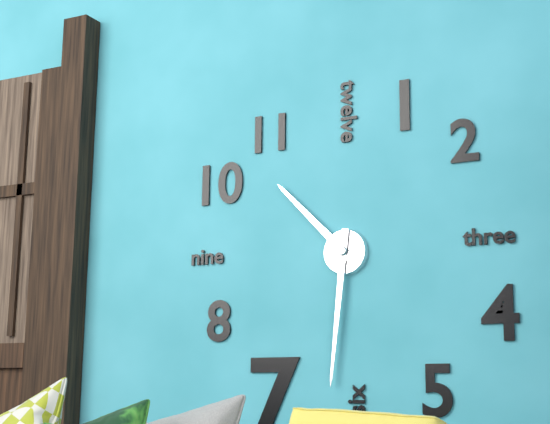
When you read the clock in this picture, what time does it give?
10:31
